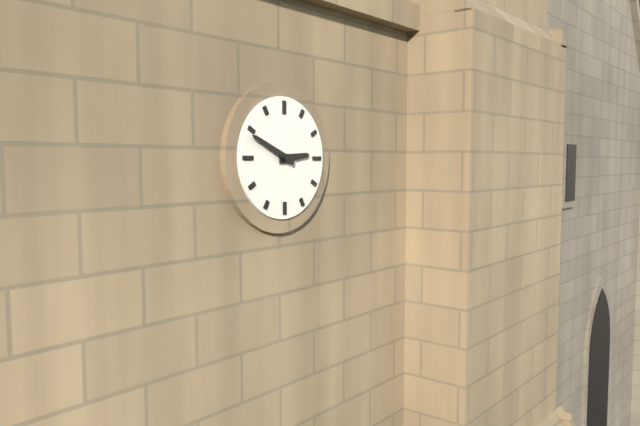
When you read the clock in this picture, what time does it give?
2:49
